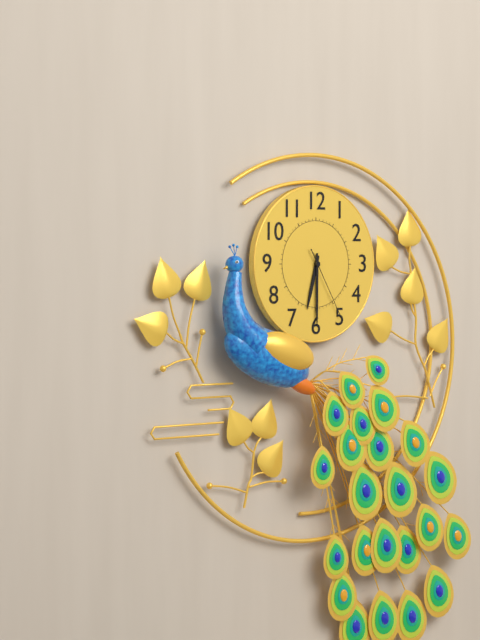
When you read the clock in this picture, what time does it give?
6:30:25
